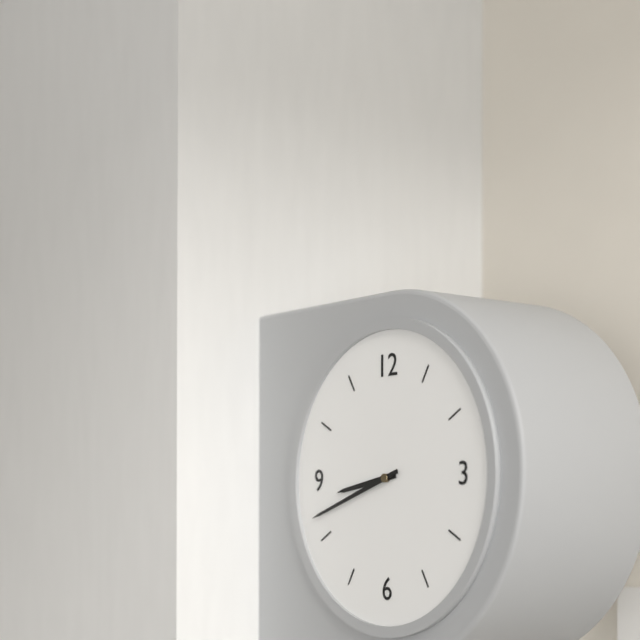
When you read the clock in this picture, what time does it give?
8:42
